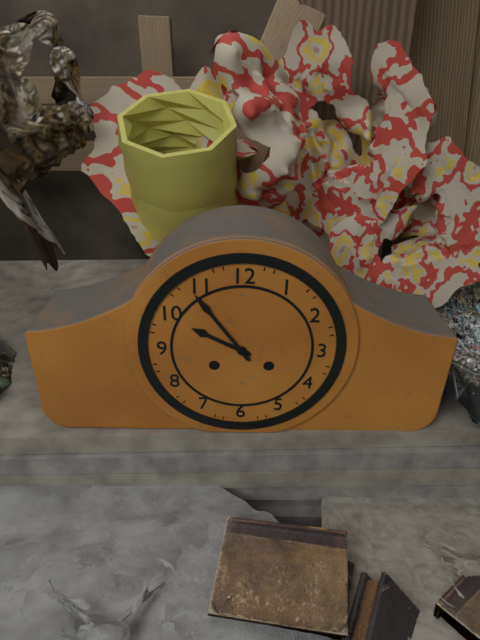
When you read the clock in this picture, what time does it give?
9:54
